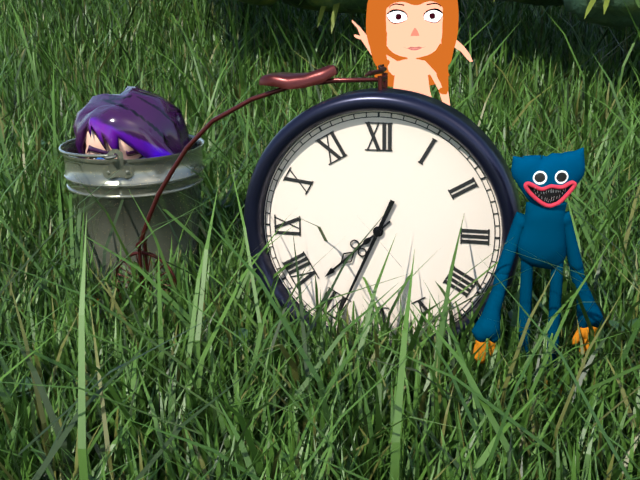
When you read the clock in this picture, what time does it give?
7:34
